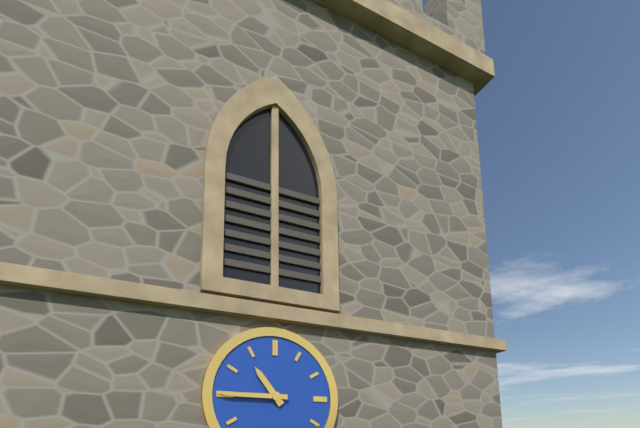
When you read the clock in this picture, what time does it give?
10:45
